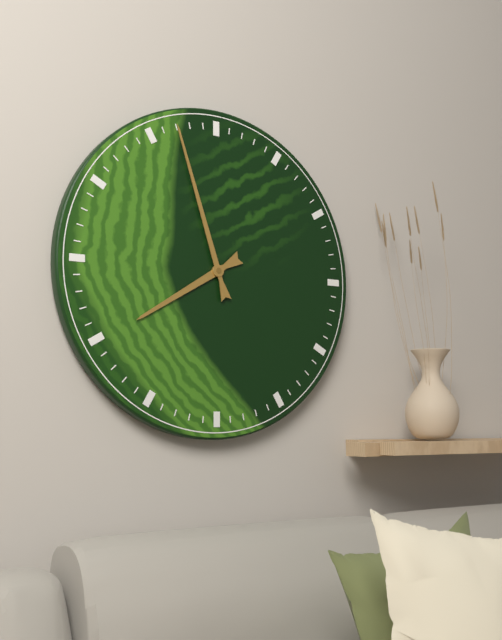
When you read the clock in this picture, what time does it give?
7:57
